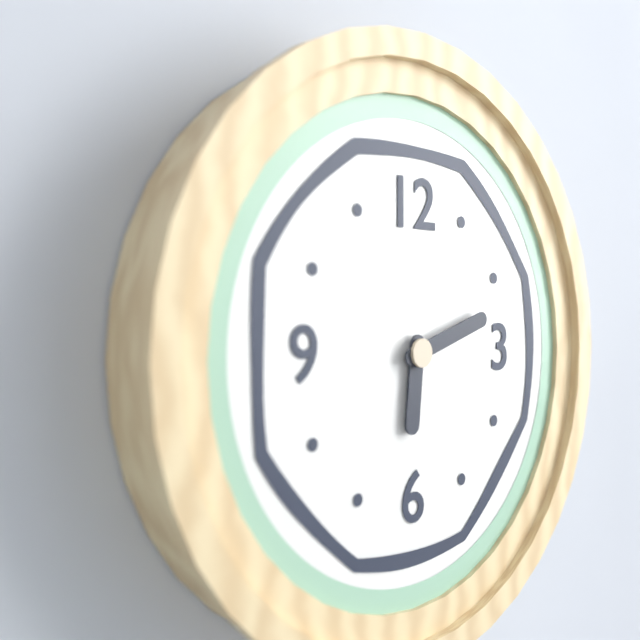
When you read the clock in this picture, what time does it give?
6:12
